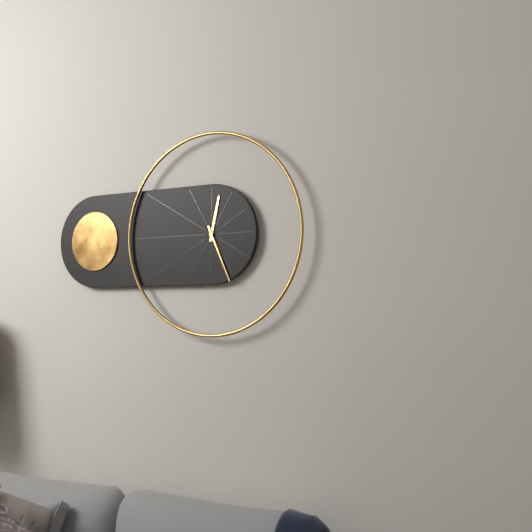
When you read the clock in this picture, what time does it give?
12:26
